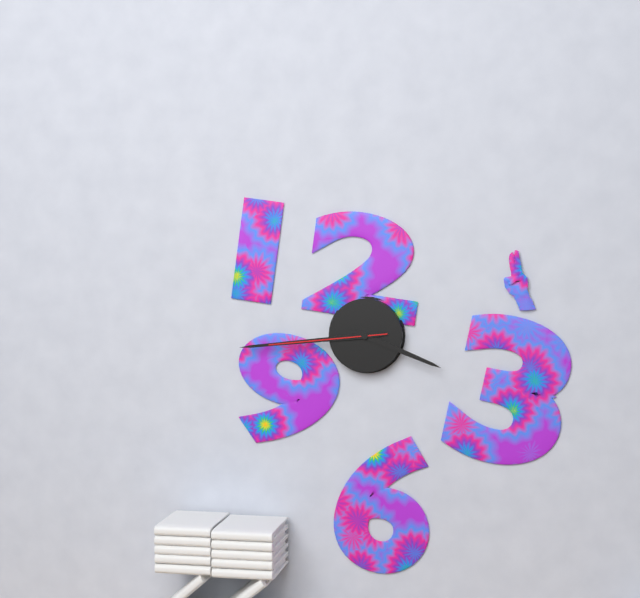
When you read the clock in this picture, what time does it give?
3:44:44
